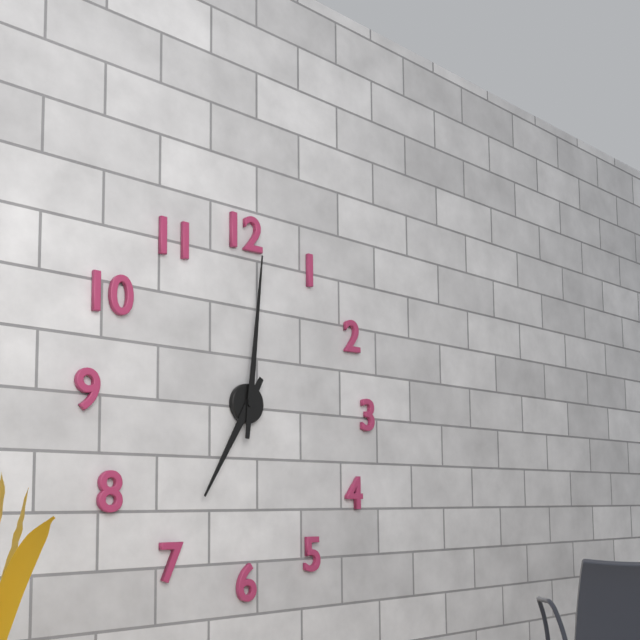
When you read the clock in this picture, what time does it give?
7:01
